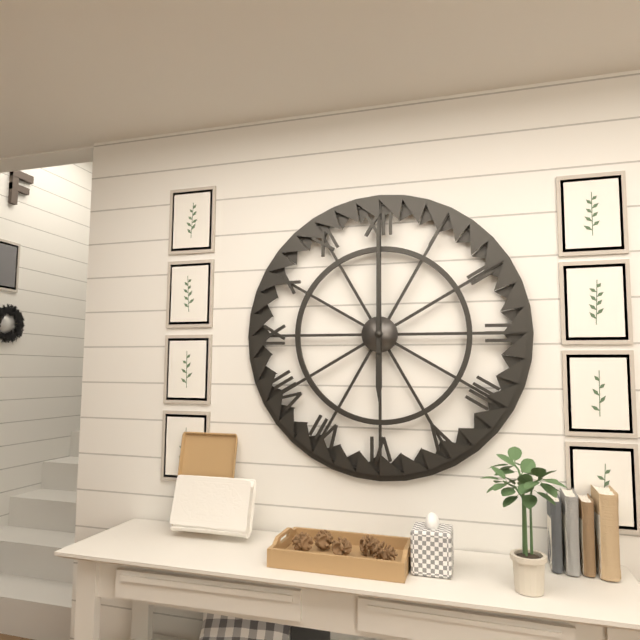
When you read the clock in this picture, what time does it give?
6:00
